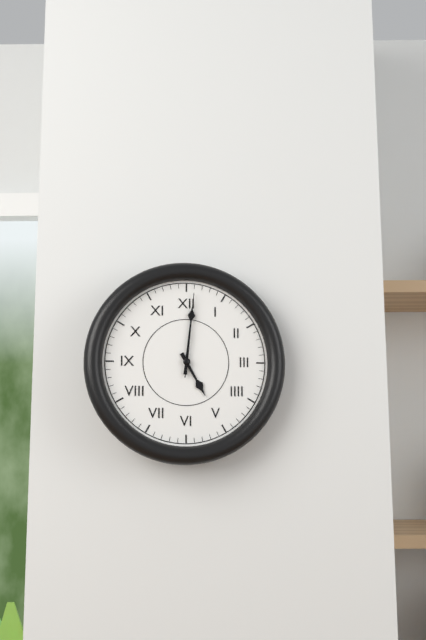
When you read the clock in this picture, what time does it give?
5:01:01
